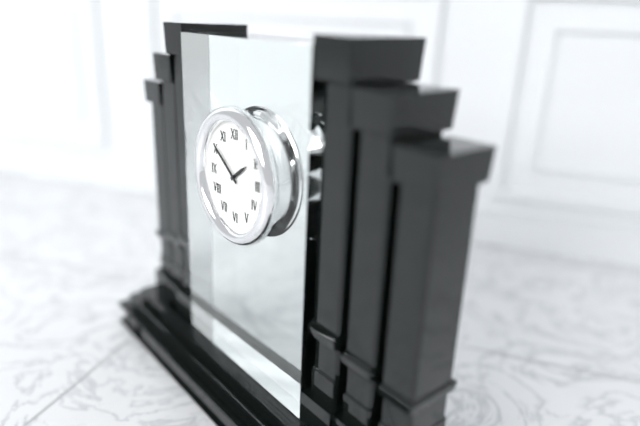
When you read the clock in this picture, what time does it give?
1:51
